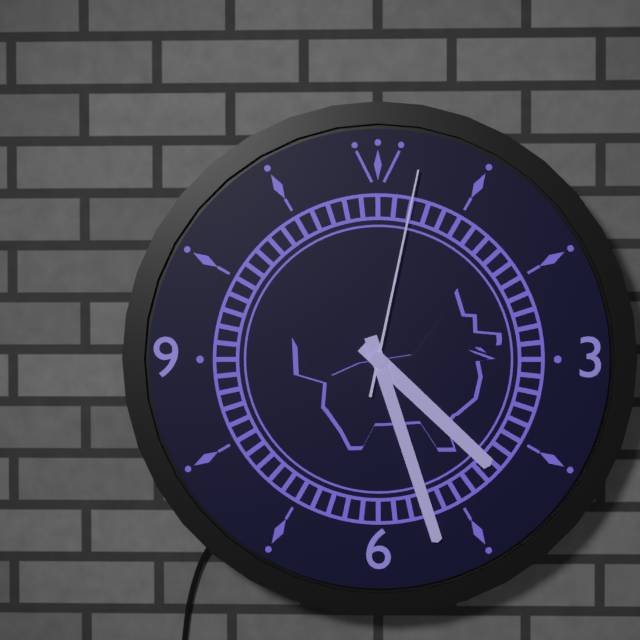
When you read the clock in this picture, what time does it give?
4:27:02
